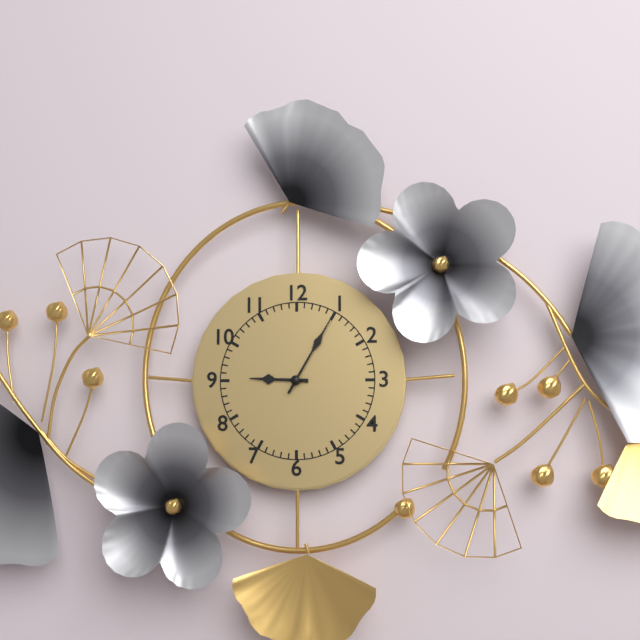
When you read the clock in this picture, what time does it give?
9:05
